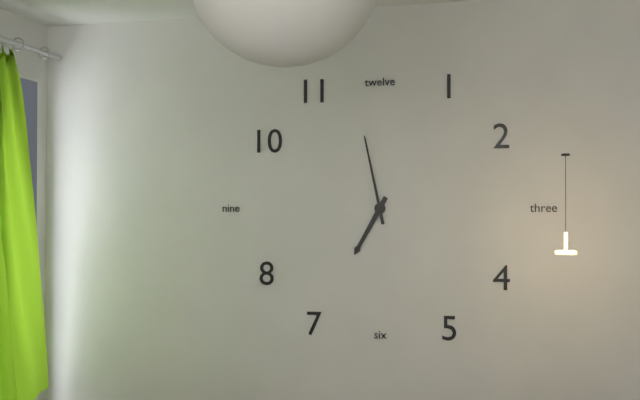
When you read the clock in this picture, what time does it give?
6:58
